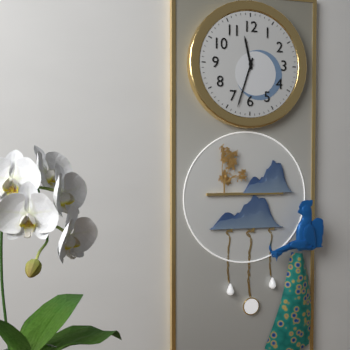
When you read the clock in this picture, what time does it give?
11:33
